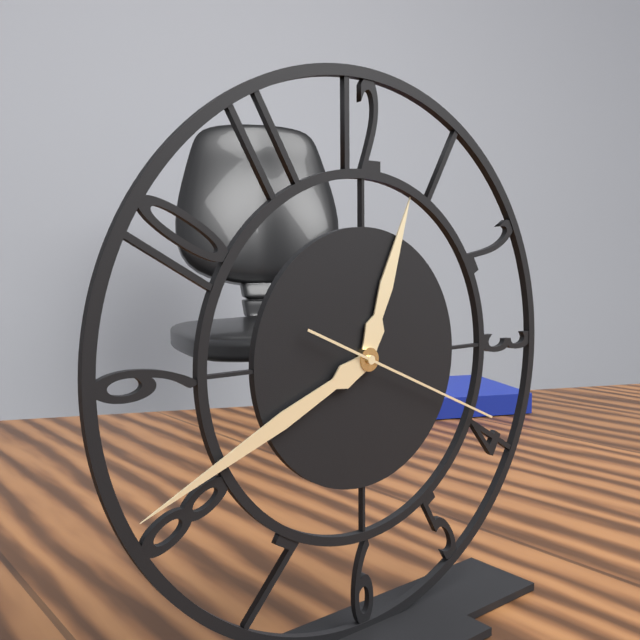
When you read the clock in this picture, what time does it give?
12:41:19
